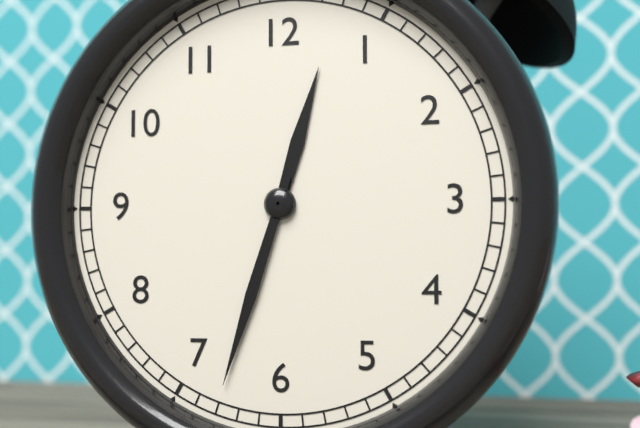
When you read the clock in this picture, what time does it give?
12:33
